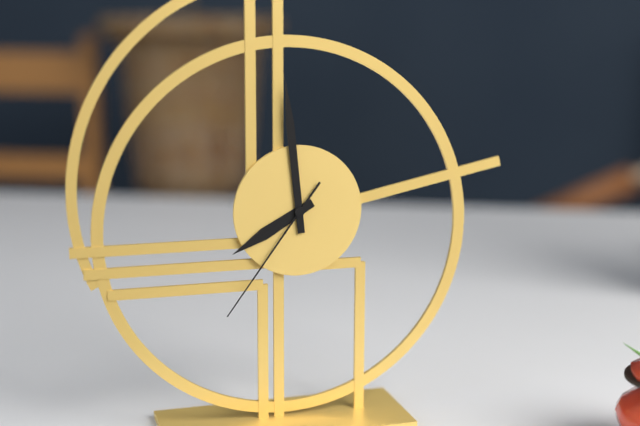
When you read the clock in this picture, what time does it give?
7:59:36
